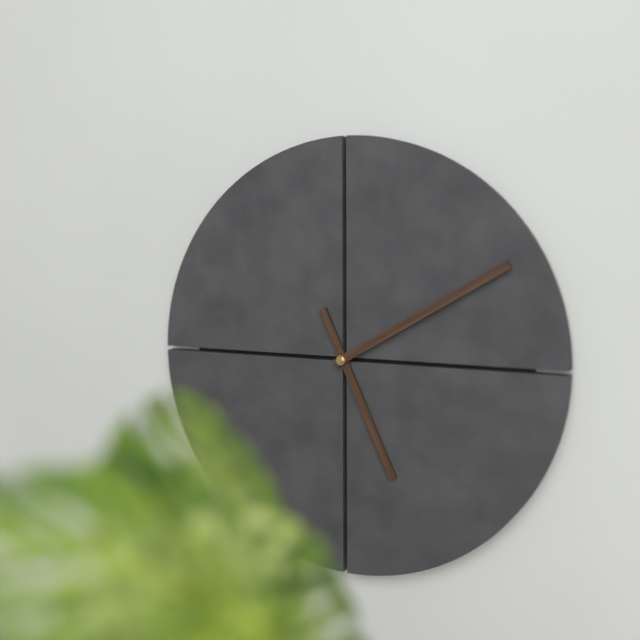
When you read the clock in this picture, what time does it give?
5:10
